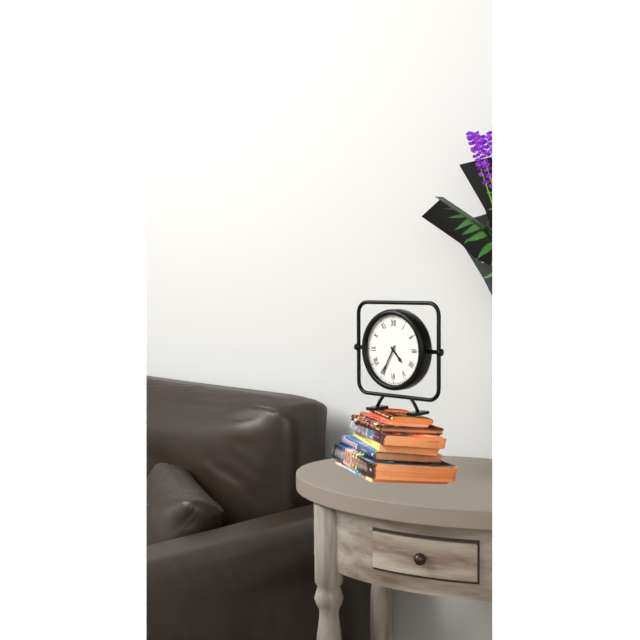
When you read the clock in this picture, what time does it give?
4:35
